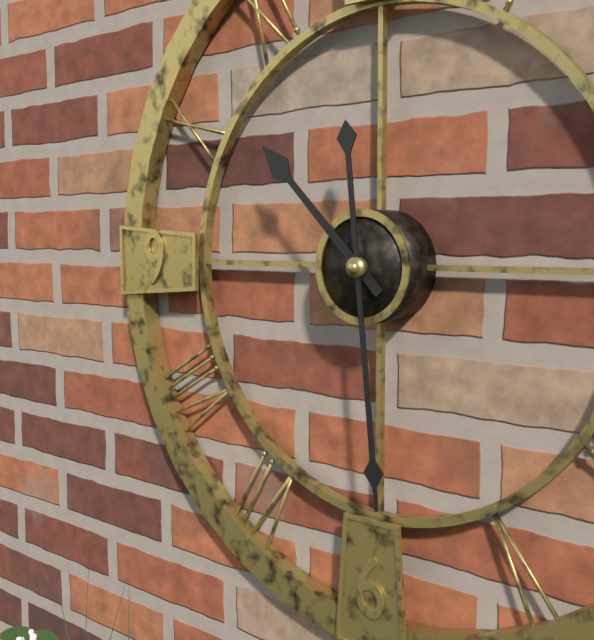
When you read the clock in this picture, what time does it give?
10:29
